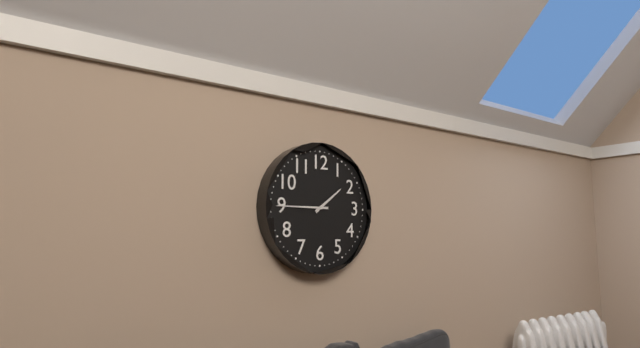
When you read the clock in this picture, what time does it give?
1:45
